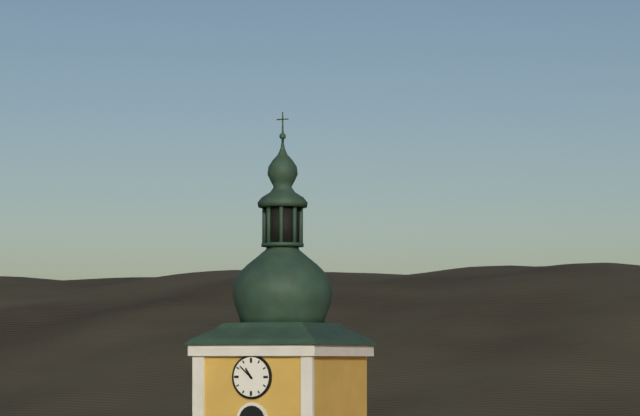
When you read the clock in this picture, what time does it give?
10:52
